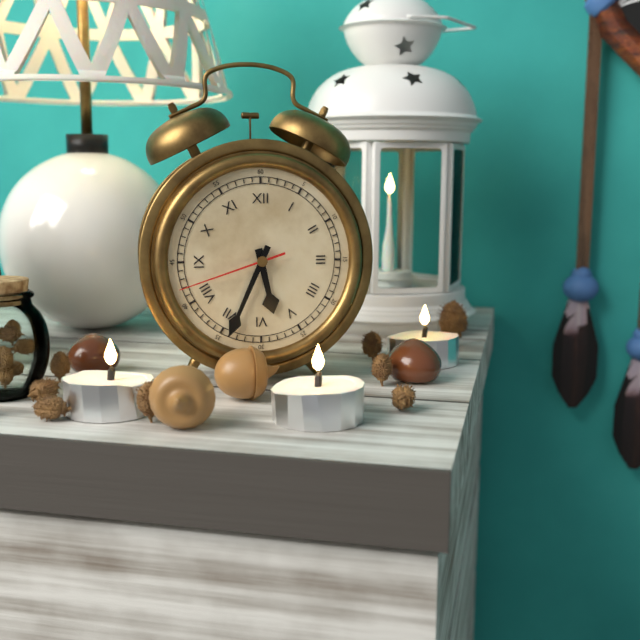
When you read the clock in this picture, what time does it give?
5:34:42
